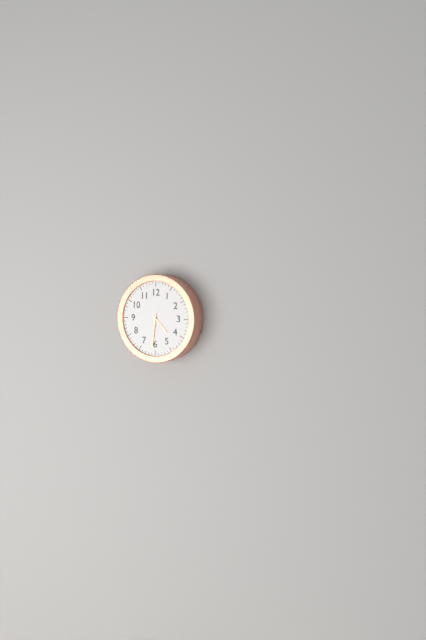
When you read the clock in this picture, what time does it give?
4:31
